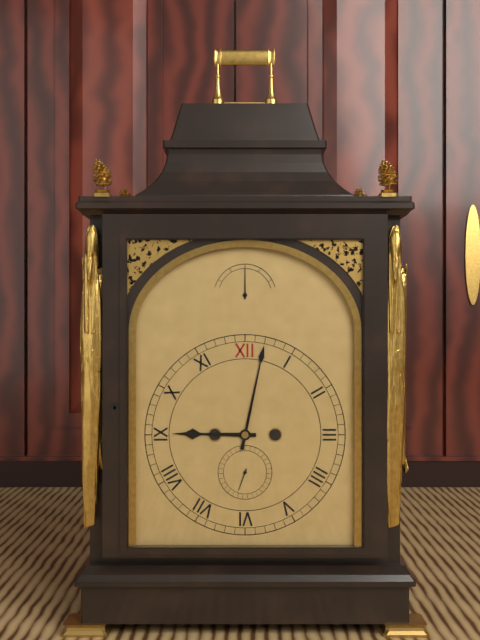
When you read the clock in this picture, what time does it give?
9:02
